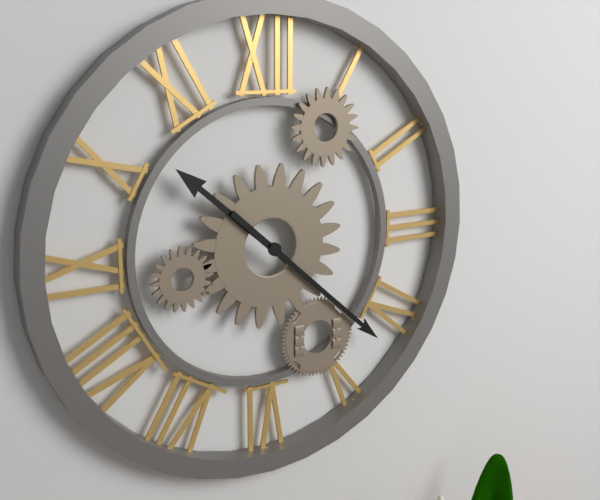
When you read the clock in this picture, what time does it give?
10:22
